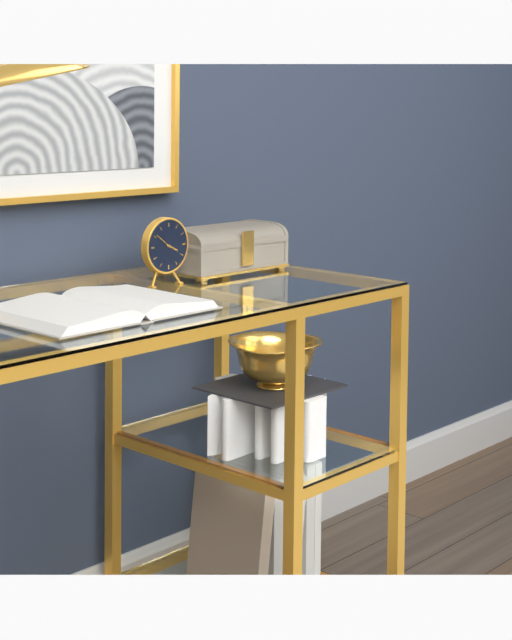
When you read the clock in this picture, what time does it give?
3:51
